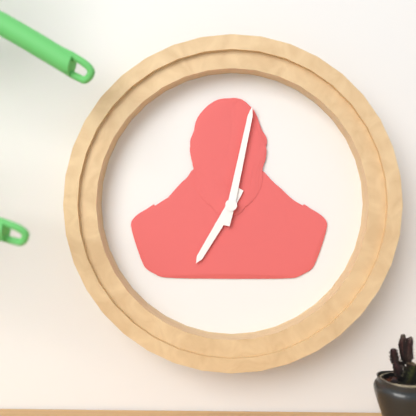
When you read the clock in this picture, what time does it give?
7:02
